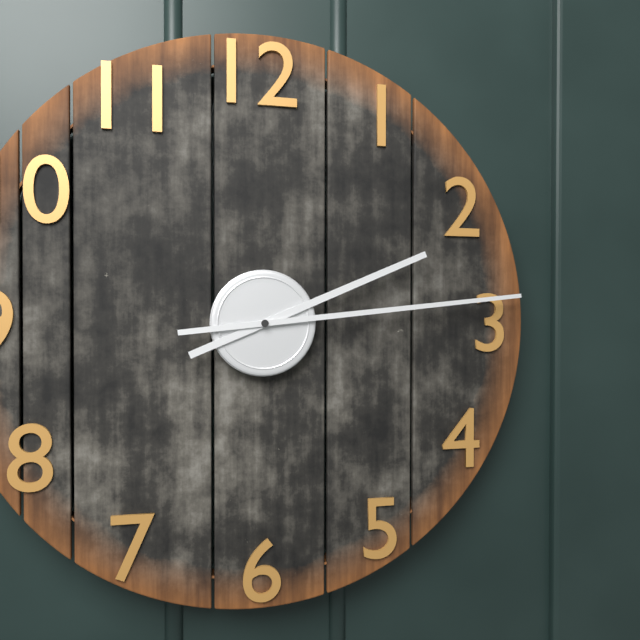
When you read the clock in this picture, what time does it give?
2:14
